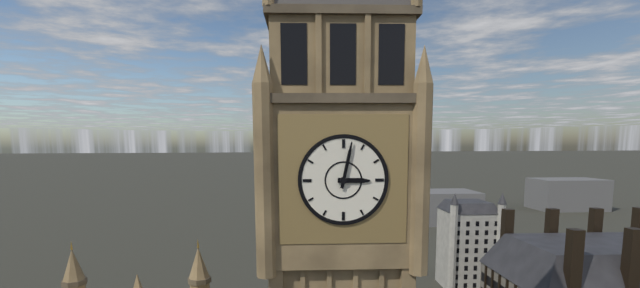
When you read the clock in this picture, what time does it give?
3:02
